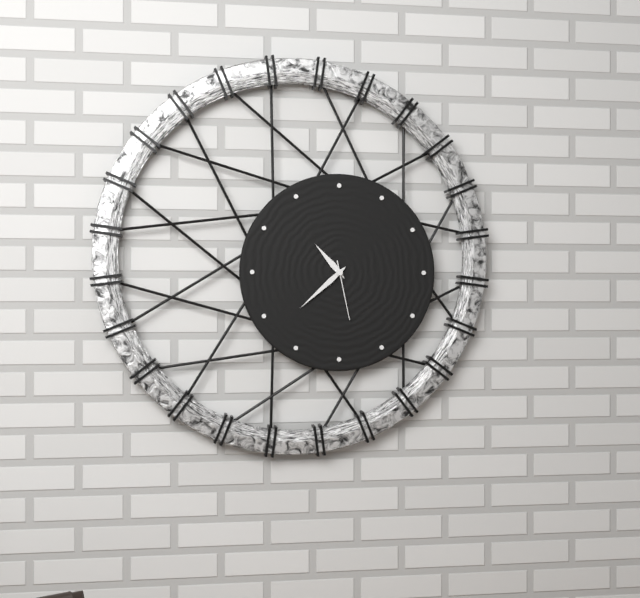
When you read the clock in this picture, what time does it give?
10:38:28
